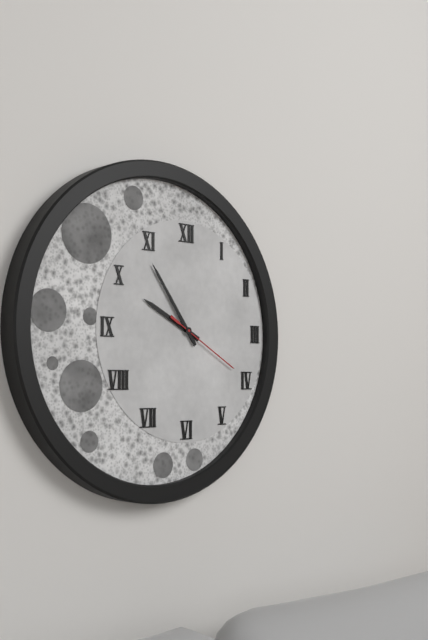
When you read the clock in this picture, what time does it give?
9:54:20
